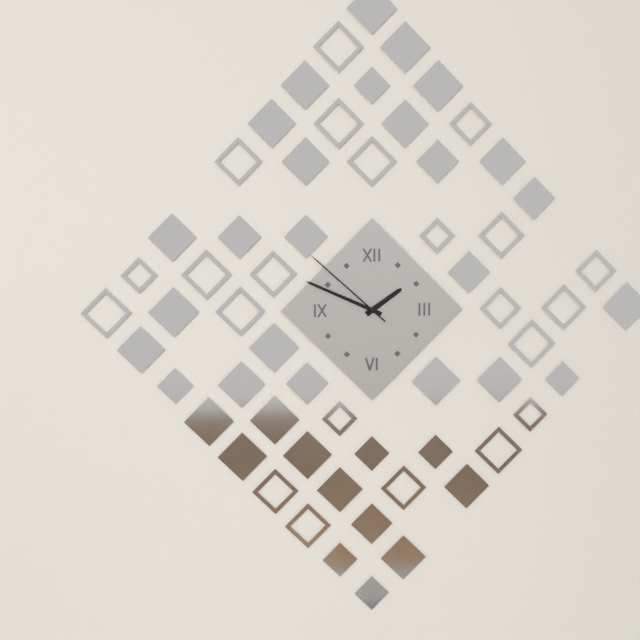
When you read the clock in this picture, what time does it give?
1:49:52
